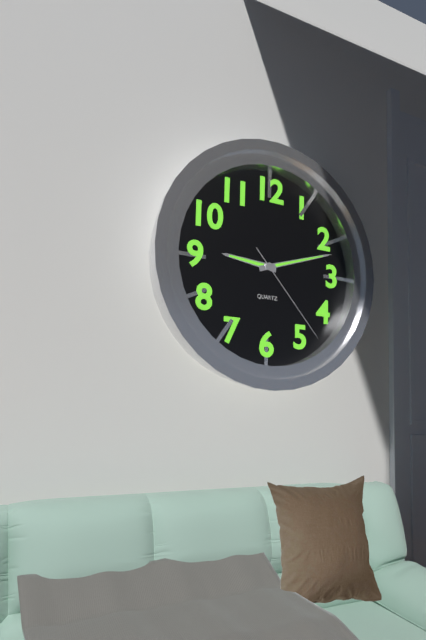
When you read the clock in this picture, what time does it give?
9:12:23
